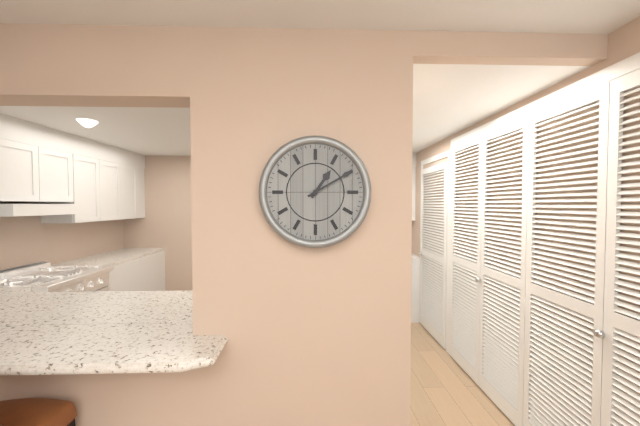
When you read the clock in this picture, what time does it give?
1:10
